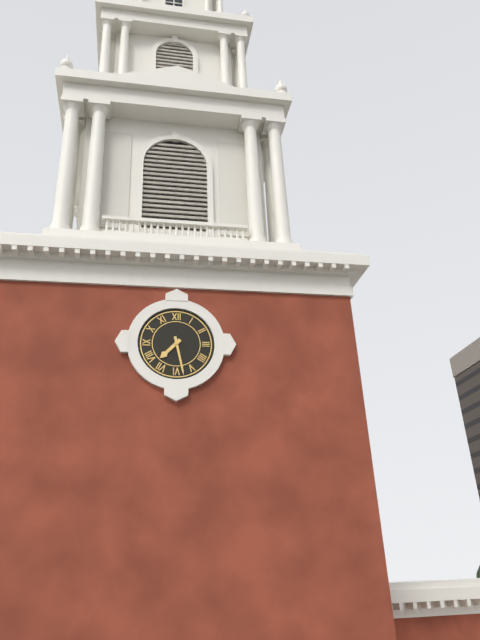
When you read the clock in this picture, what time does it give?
7:28
